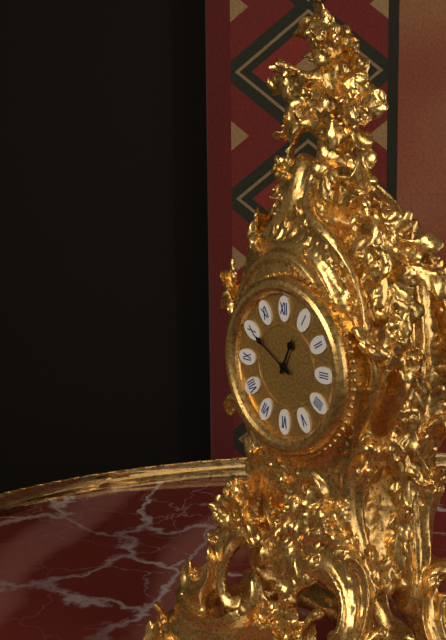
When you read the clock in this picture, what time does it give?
12:50
